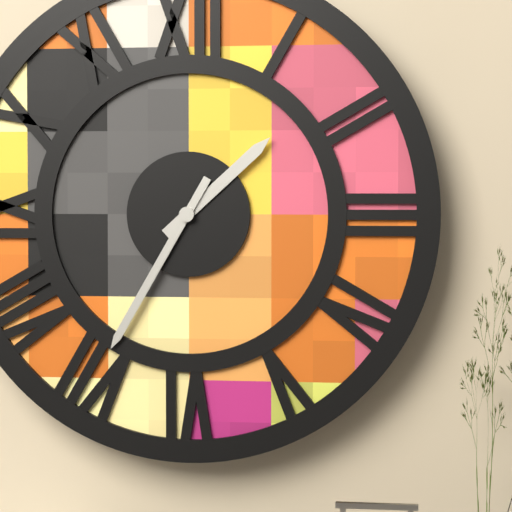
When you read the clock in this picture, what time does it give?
1:35
